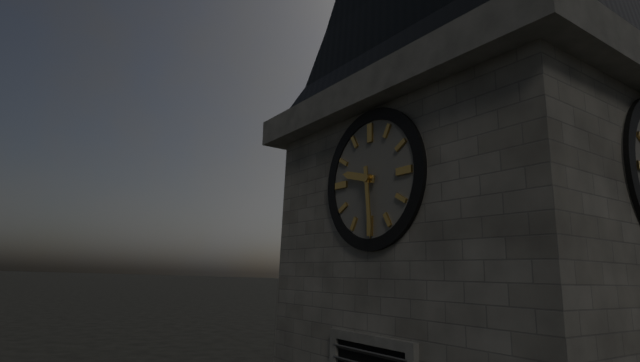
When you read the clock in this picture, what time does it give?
9:29
